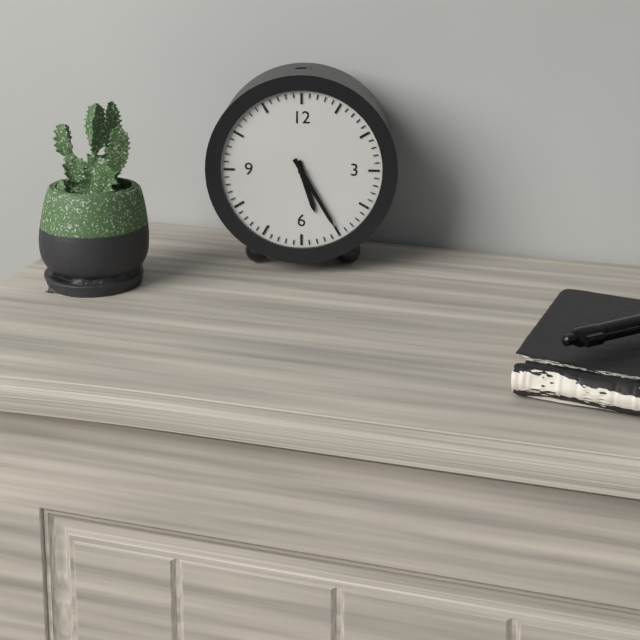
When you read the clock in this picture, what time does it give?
5:25
